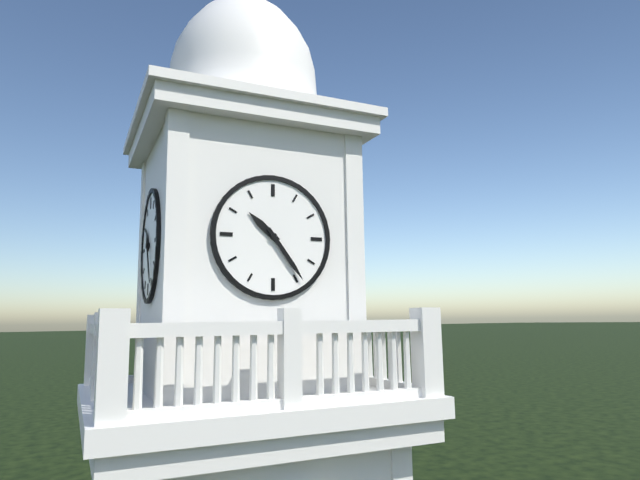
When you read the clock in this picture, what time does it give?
10:24
